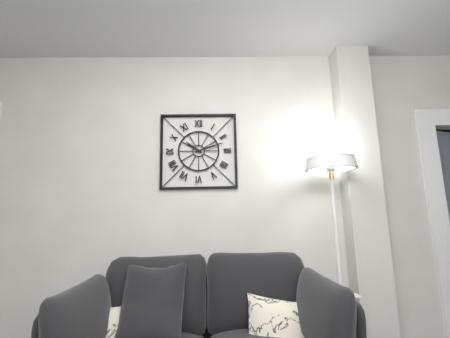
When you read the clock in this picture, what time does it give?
10:12
